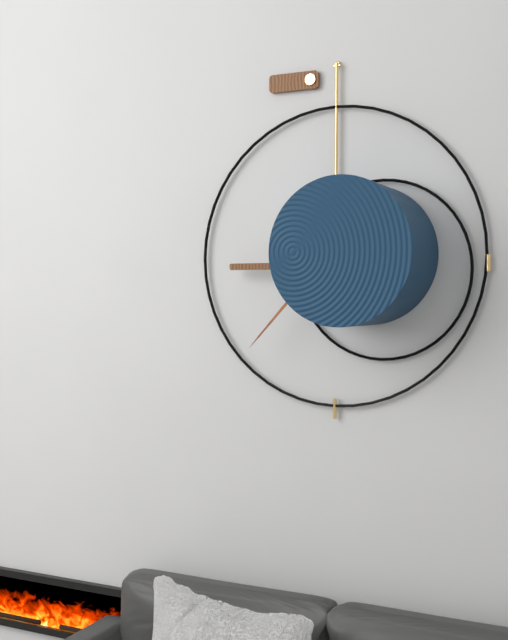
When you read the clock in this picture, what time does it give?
3:37
